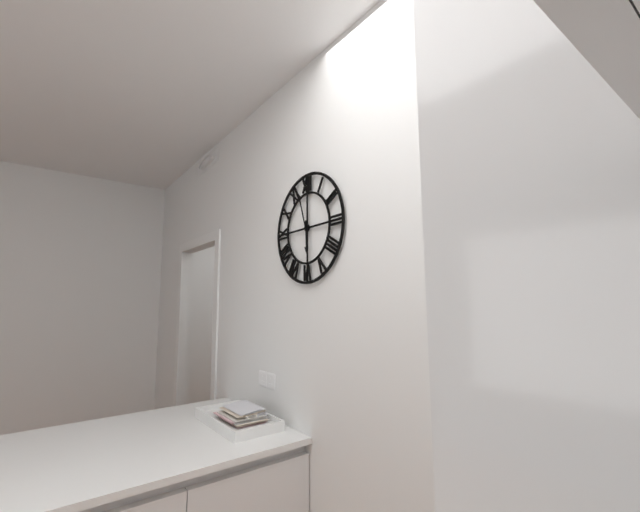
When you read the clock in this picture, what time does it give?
5:57
